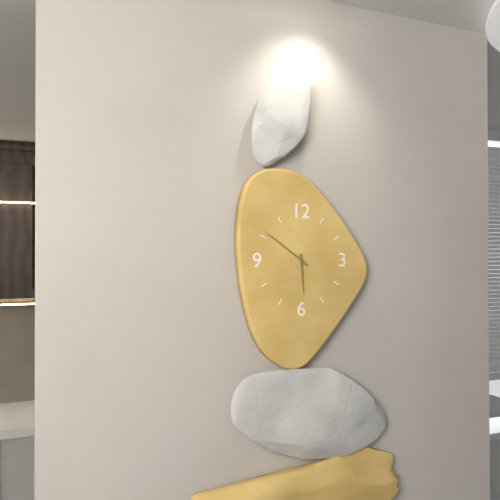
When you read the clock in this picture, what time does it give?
5:51
